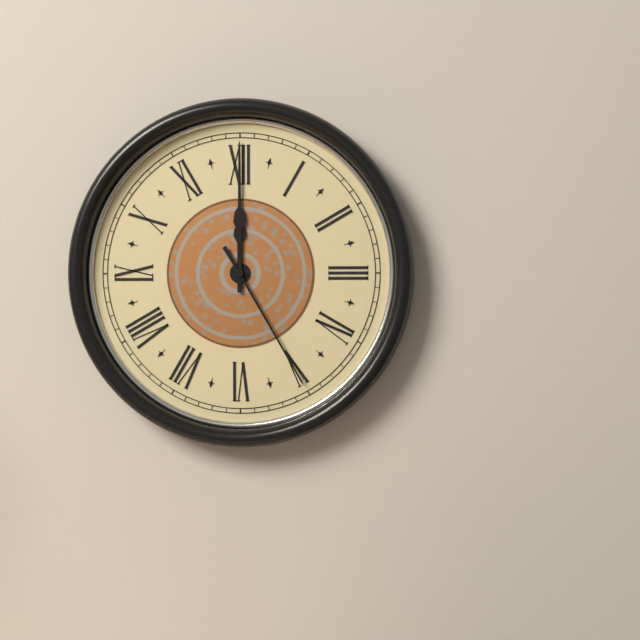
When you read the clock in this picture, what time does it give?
12:00:25
